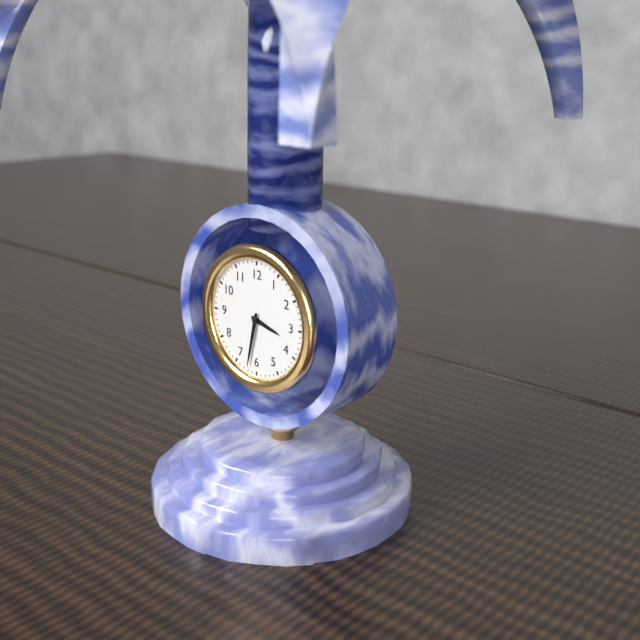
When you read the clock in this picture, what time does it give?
3:32
